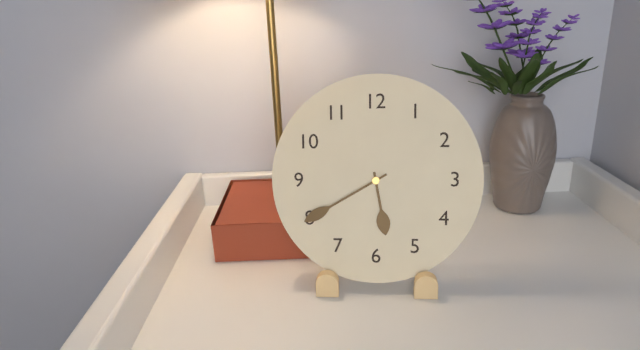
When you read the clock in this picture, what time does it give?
5:40
